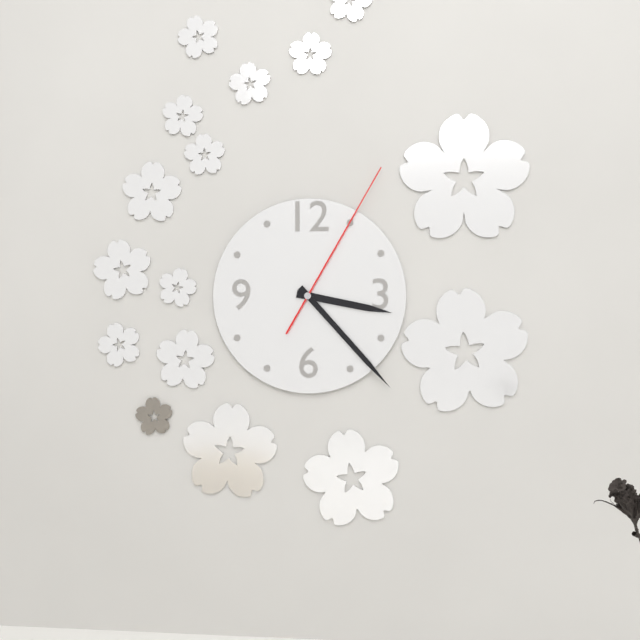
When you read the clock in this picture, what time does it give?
3:23:05
